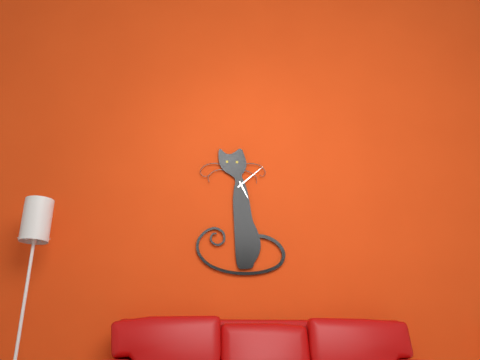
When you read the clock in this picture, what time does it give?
5:08
